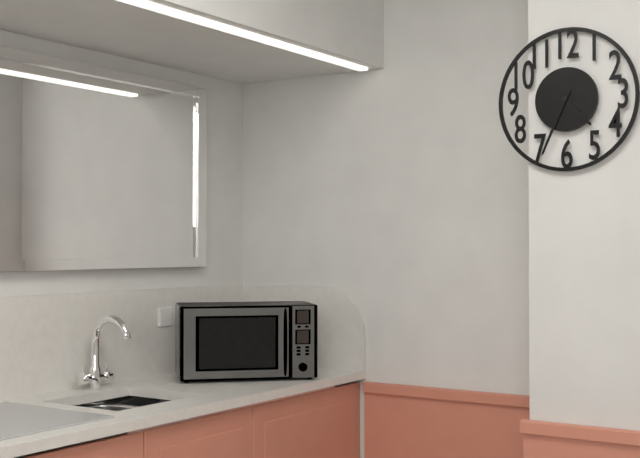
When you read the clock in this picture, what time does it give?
4:34
